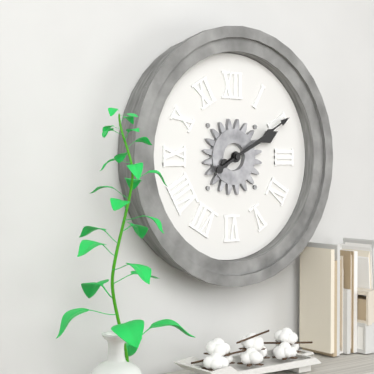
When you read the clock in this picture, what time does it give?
2:10
